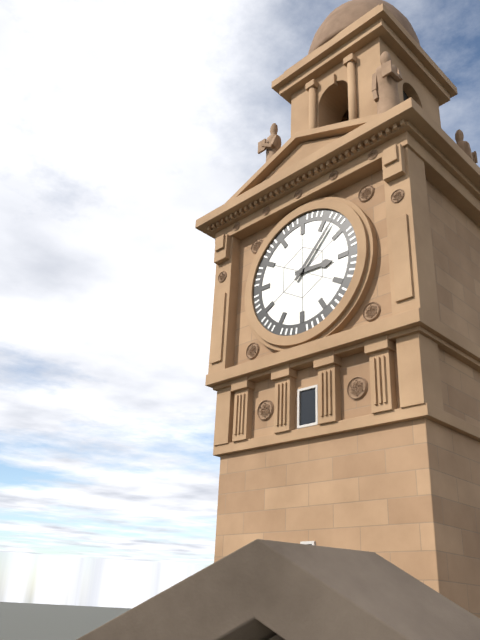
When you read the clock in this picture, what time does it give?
3:07
